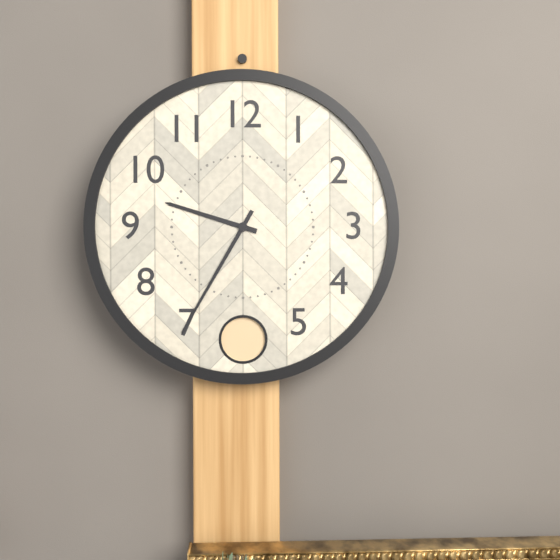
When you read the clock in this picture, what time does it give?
9:35
